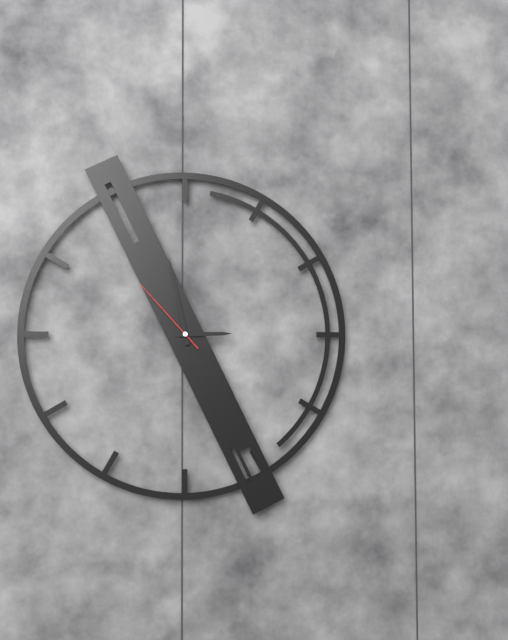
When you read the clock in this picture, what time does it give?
2:58:53
